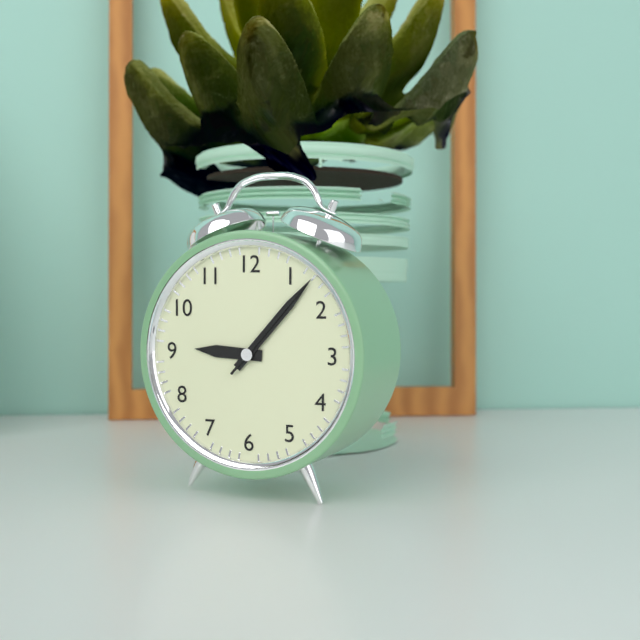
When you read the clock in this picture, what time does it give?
9:07:07
